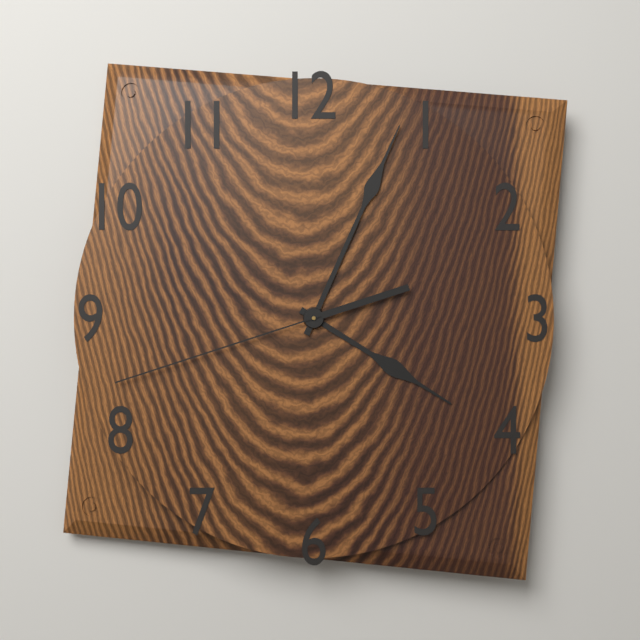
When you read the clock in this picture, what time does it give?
4:04:42
